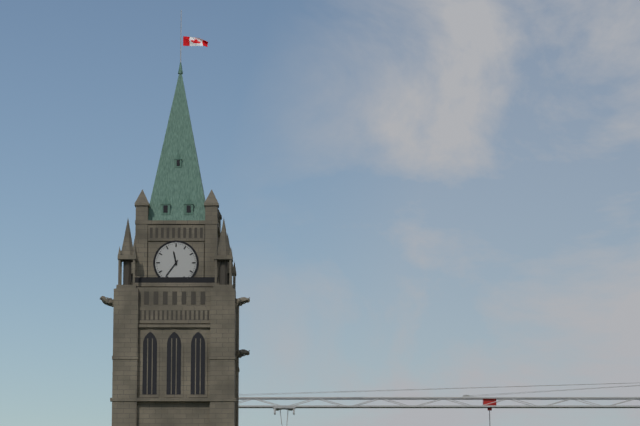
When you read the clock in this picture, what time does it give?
11:36
